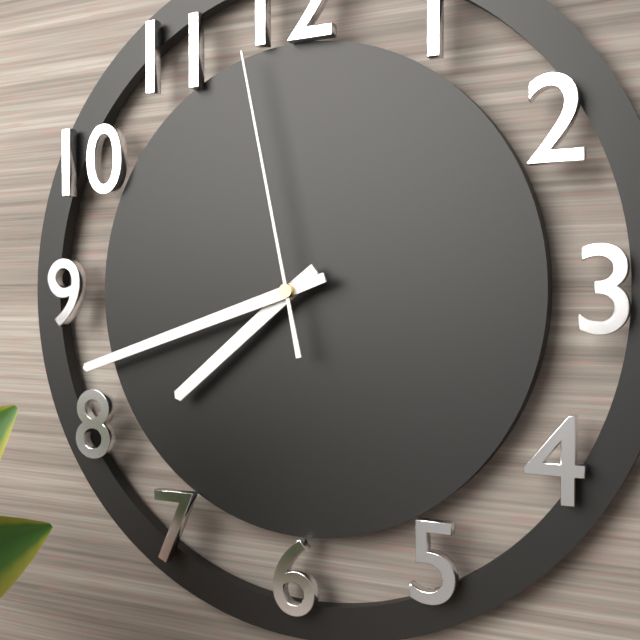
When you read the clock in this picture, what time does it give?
7:42:58
